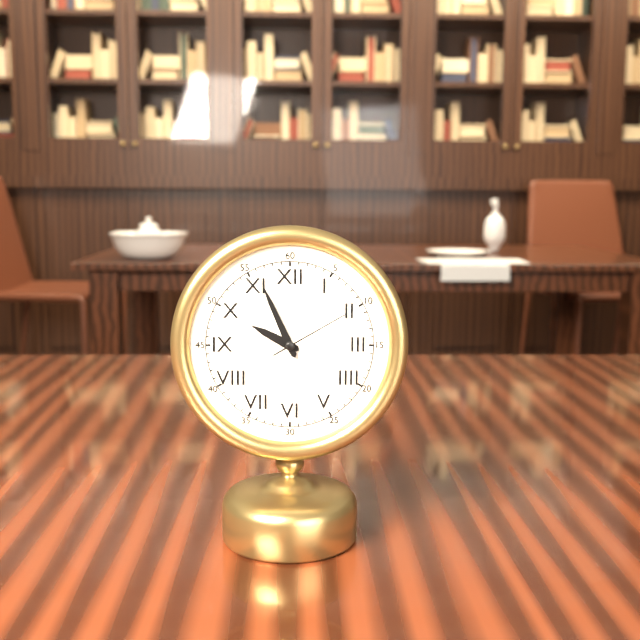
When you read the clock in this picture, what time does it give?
9:56:10
